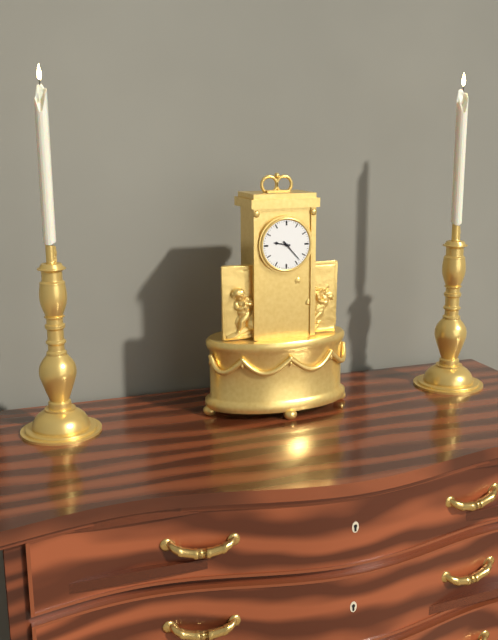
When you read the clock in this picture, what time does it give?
9:23
